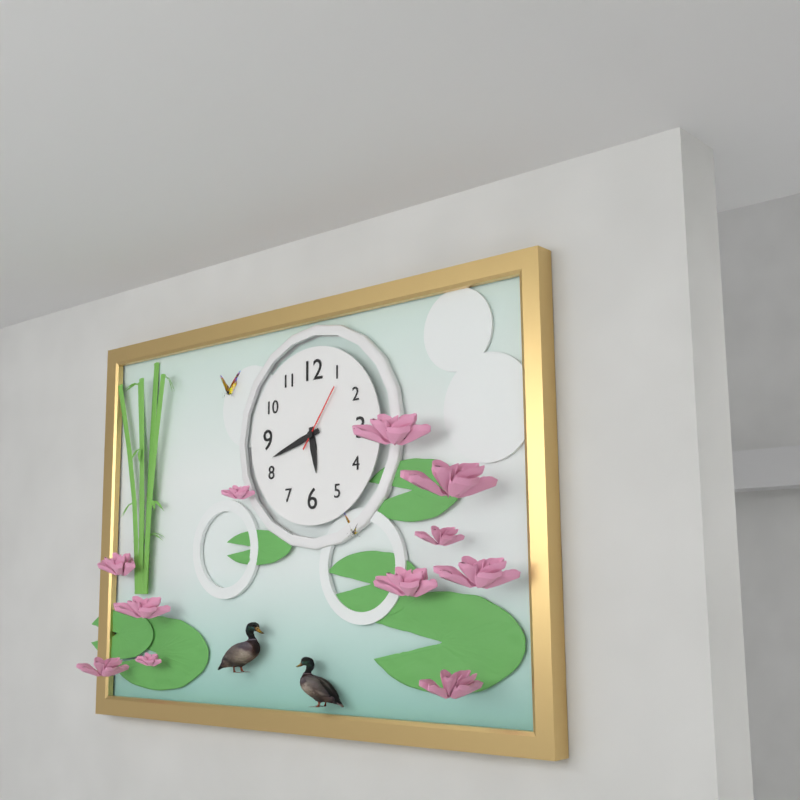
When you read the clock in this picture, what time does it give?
5:42:06
